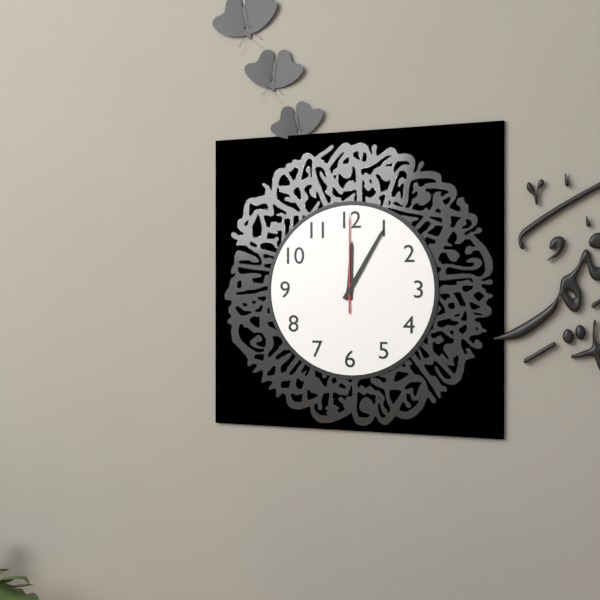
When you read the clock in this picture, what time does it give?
12:05:00
